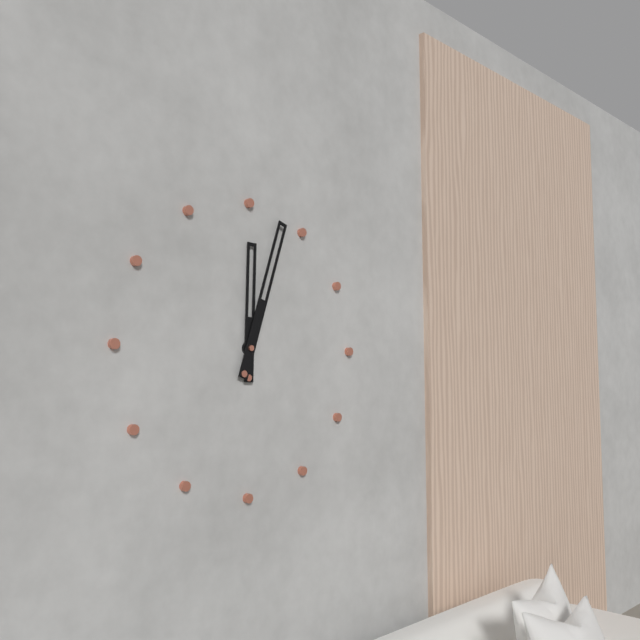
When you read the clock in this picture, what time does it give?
12:03
